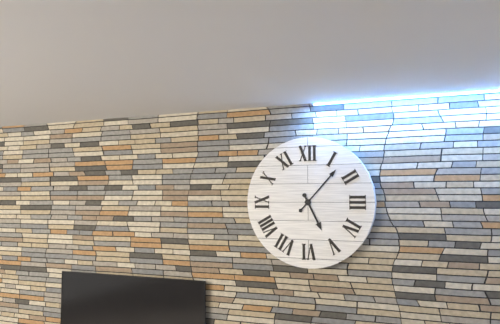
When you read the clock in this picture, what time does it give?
5:07
